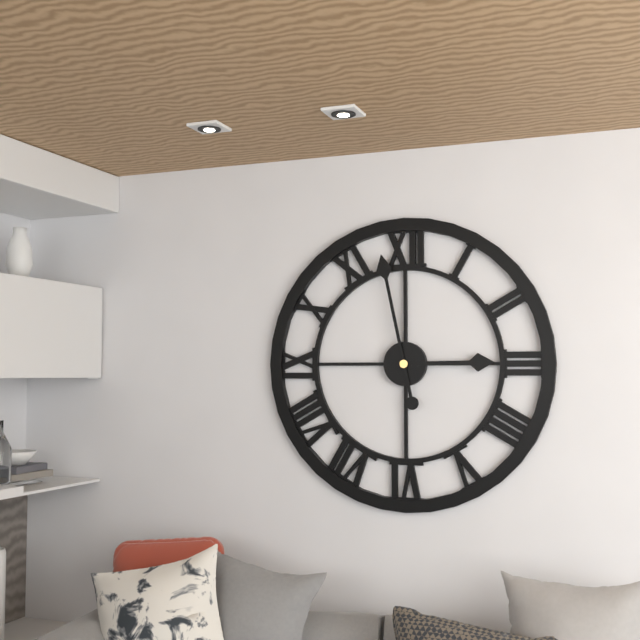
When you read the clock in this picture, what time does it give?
2:58
